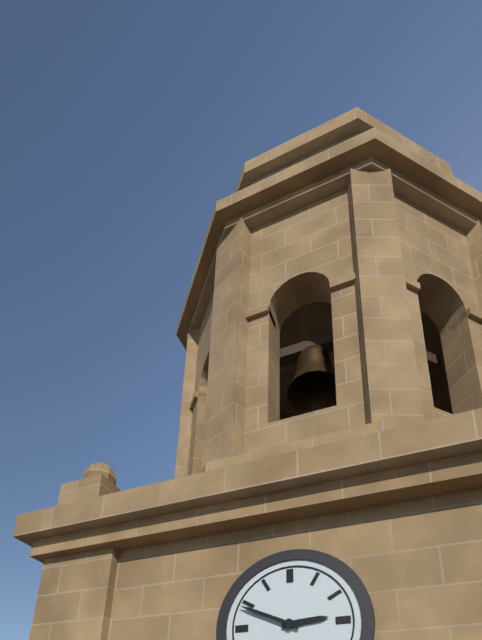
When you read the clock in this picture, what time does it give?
2:49
